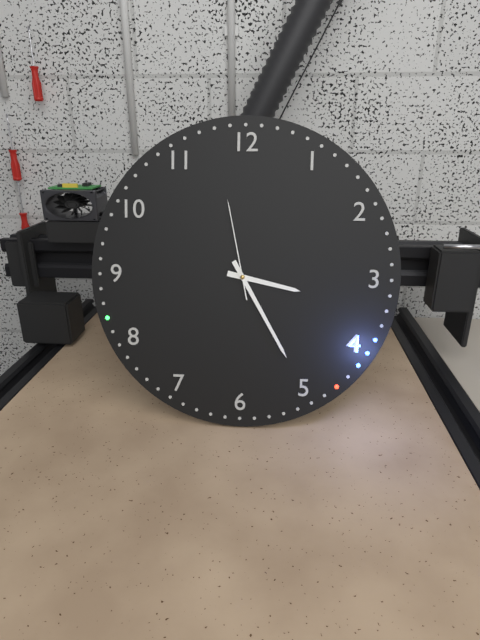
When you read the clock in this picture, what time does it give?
3:25:58
